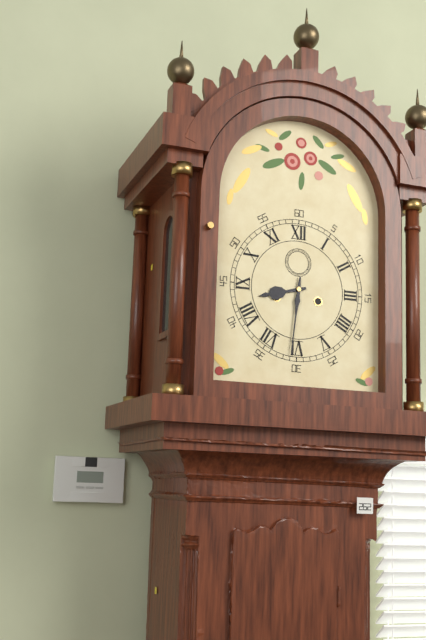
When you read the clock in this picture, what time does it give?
8:31
